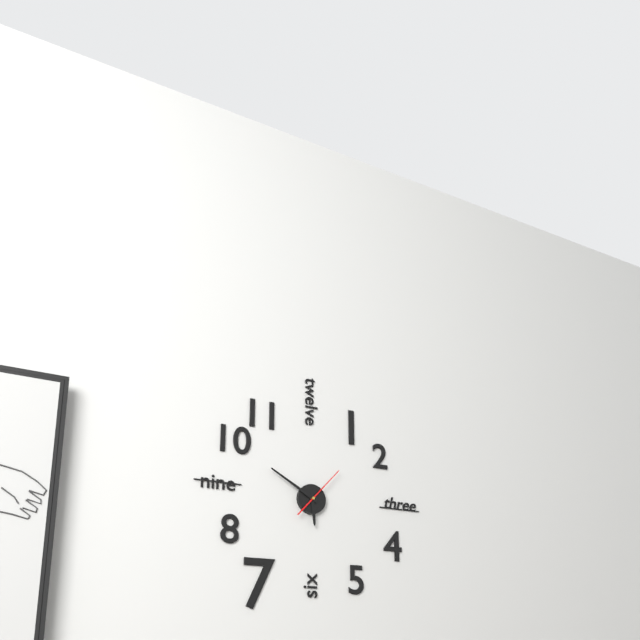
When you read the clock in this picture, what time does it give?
5:50:07
